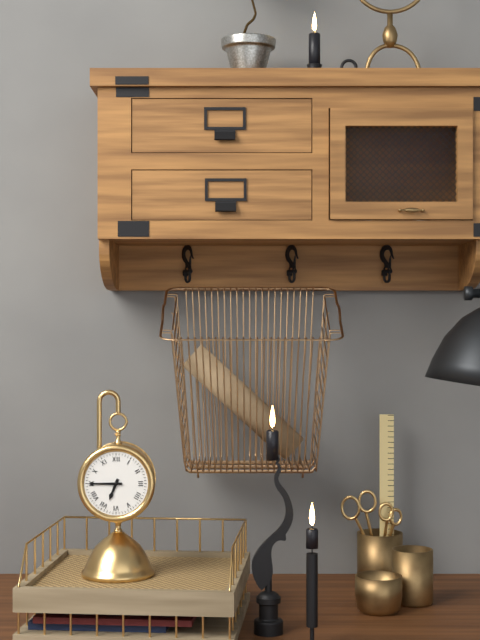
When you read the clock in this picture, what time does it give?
6:45
